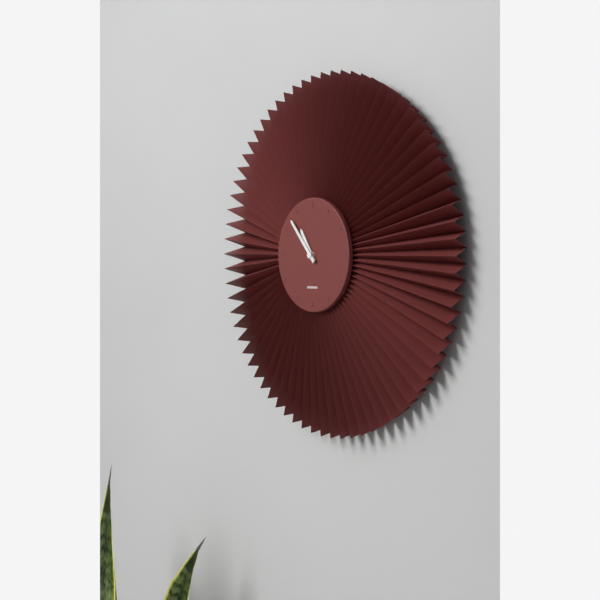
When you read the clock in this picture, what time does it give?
10:53
